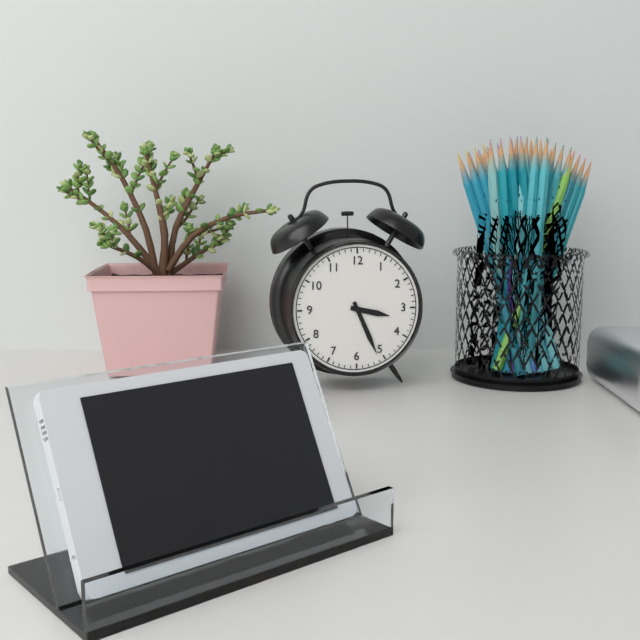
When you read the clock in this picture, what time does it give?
3:26
